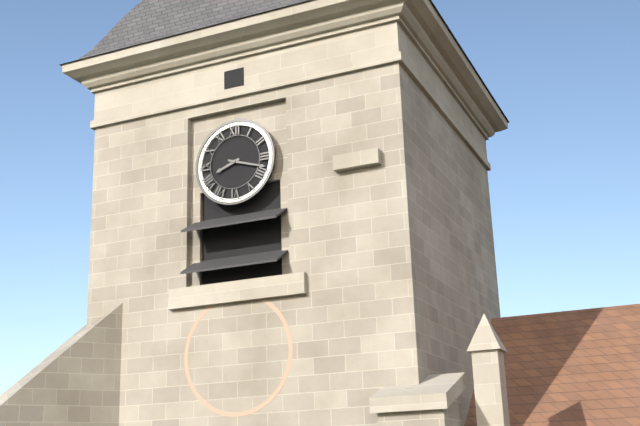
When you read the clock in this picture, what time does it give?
8:18
